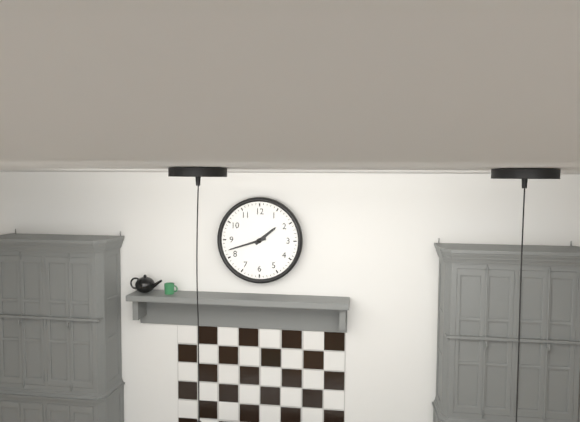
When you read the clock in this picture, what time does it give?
1:42
